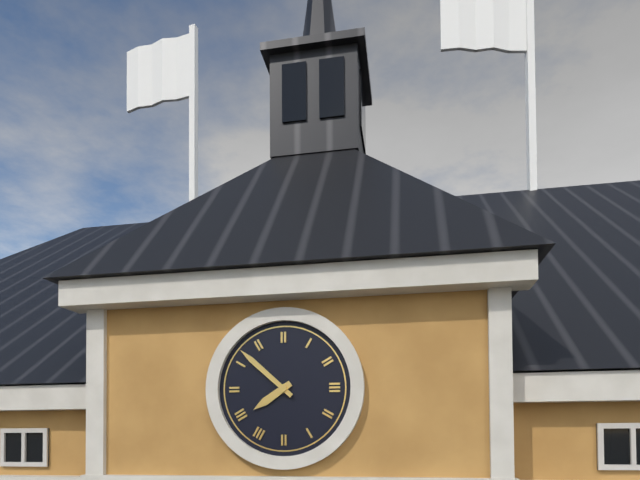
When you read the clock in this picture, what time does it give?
7:52
